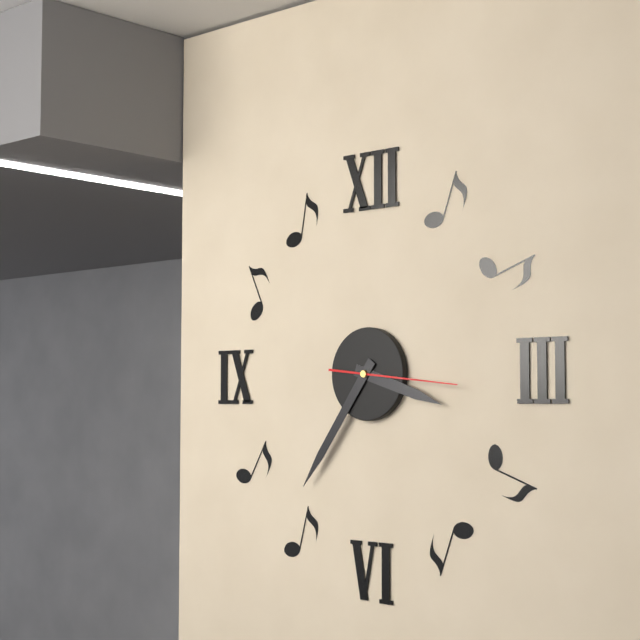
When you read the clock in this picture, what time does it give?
3:36:16
